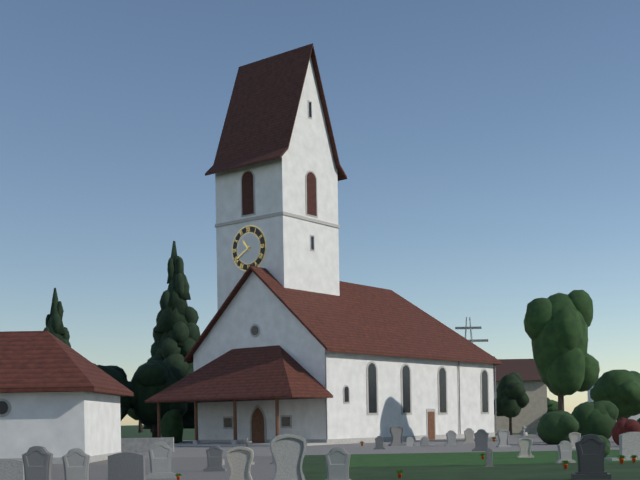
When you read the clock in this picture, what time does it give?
10:40
